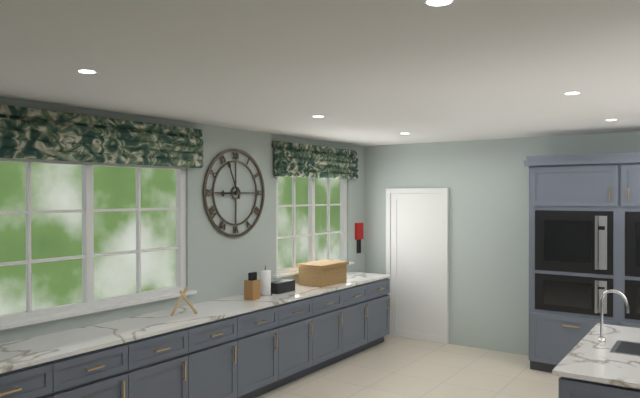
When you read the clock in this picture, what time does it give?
8:56
